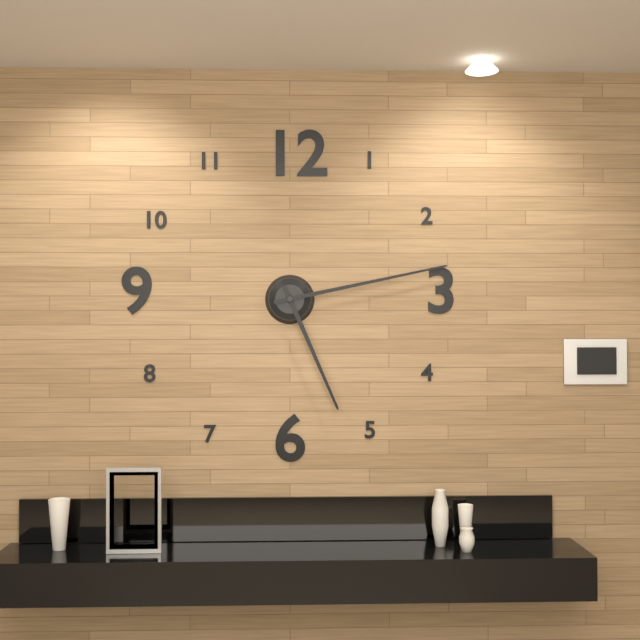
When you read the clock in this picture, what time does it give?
5:13
